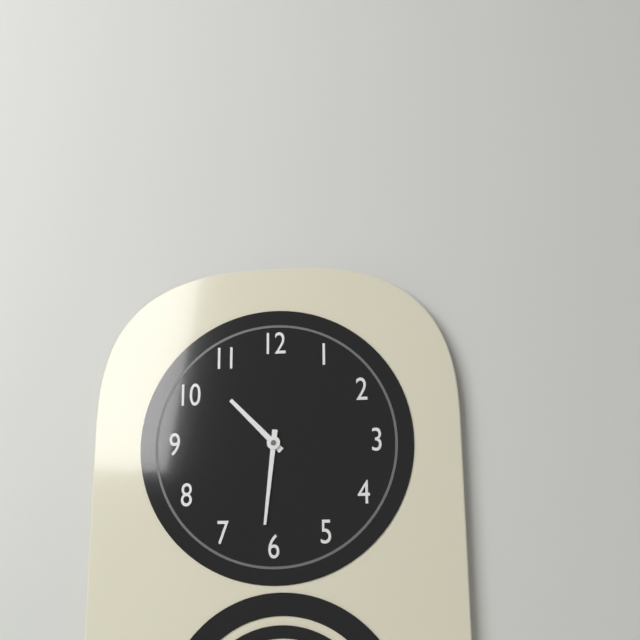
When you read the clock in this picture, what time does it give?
10:31
